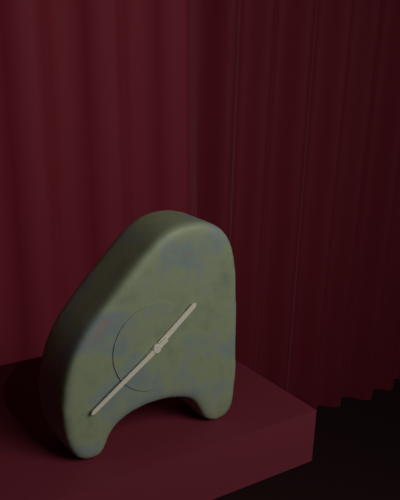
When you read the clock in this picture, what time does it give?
1:39
